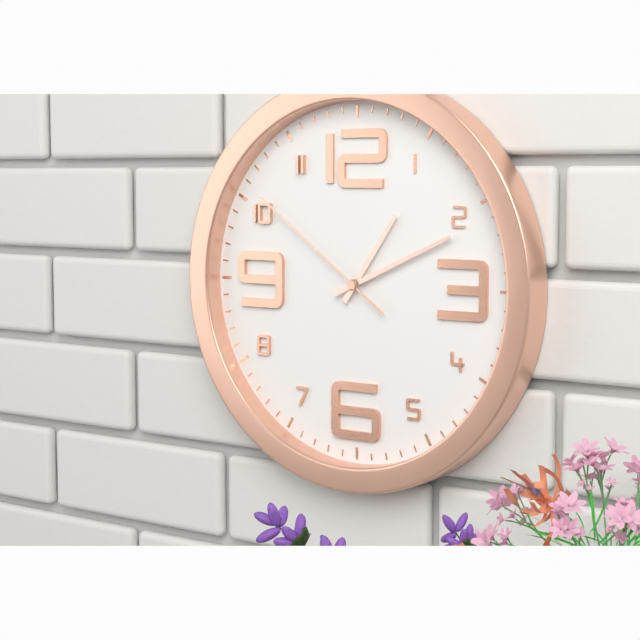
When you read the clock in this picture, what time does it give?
1:11:51
